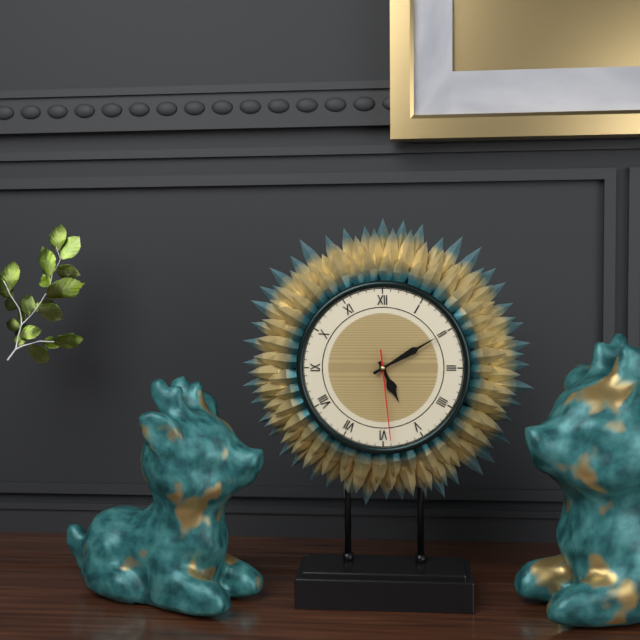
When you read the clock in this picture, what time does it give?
5:10:29
